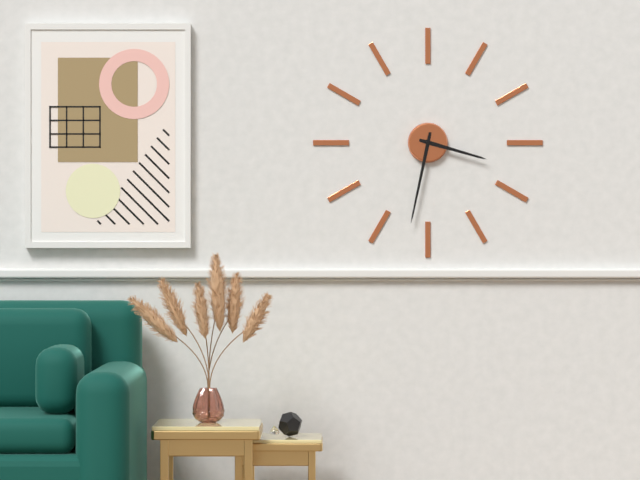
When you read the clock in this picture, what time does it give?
3:32
